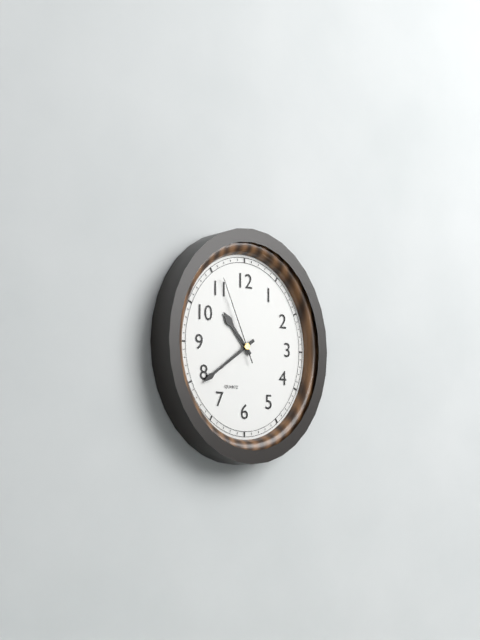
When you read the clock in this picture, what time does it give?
10:39:56
